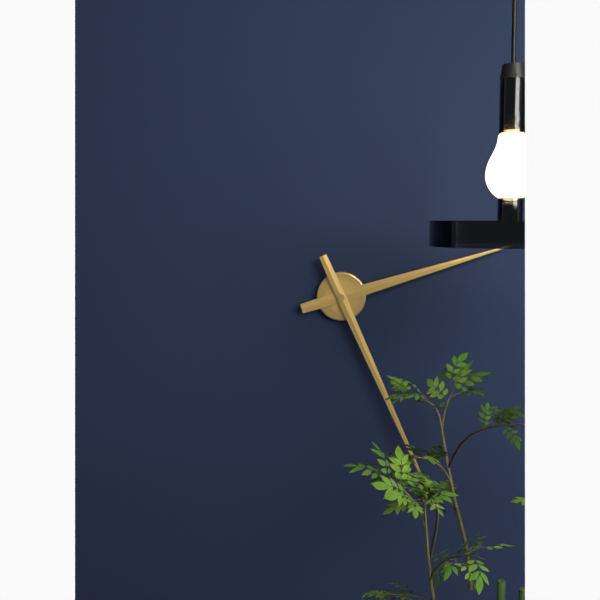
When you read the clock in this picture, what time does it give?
2:26
